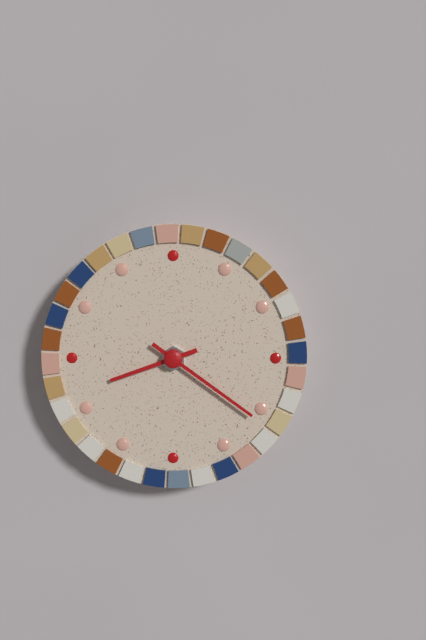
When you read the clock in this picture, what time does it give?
8:21
